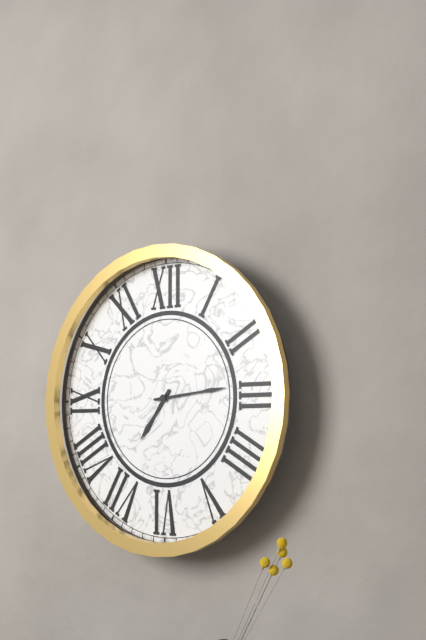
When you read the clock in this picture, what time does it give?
7:14
